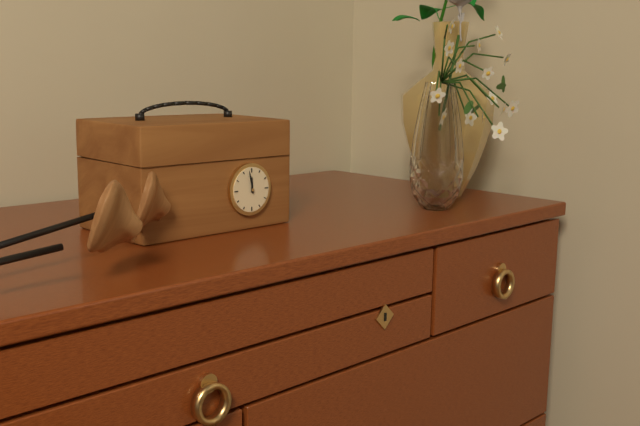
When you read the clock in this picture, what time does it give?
11:58
